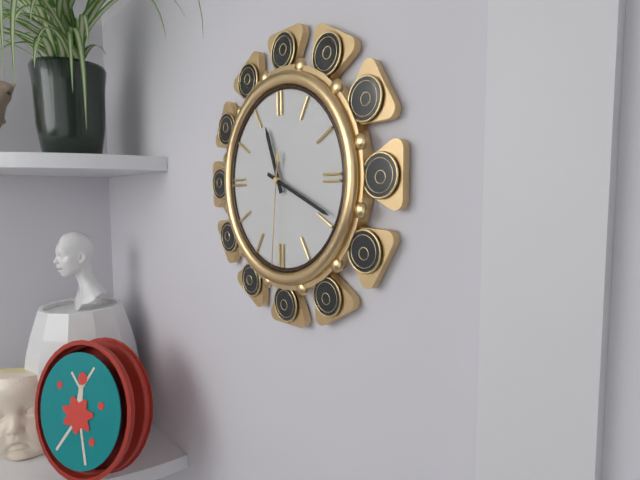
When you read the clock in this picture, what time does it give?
11:19:31
